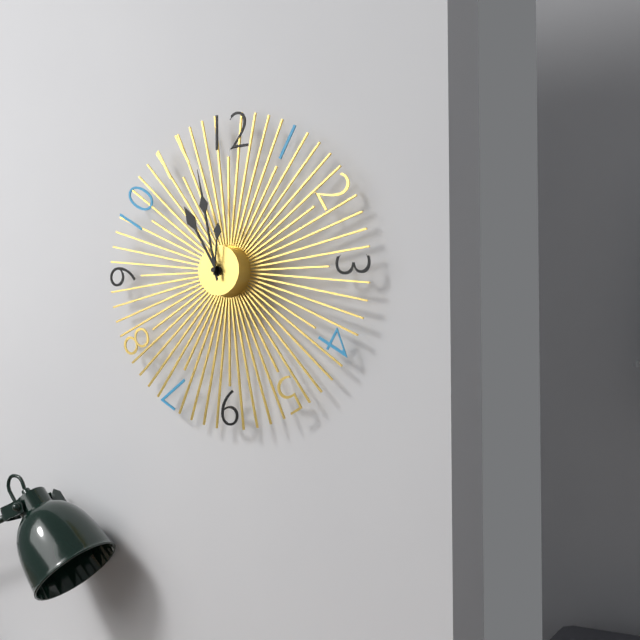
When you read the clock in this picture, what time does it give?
10:58:01
